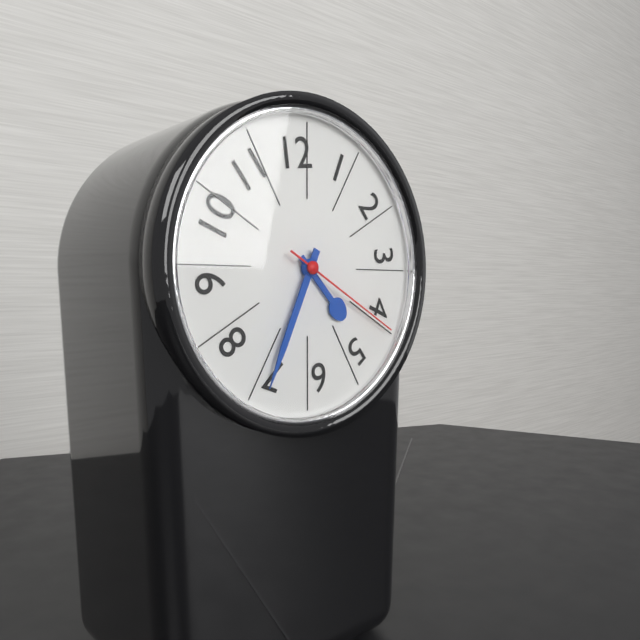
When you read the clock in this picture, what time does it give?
4:34:20
